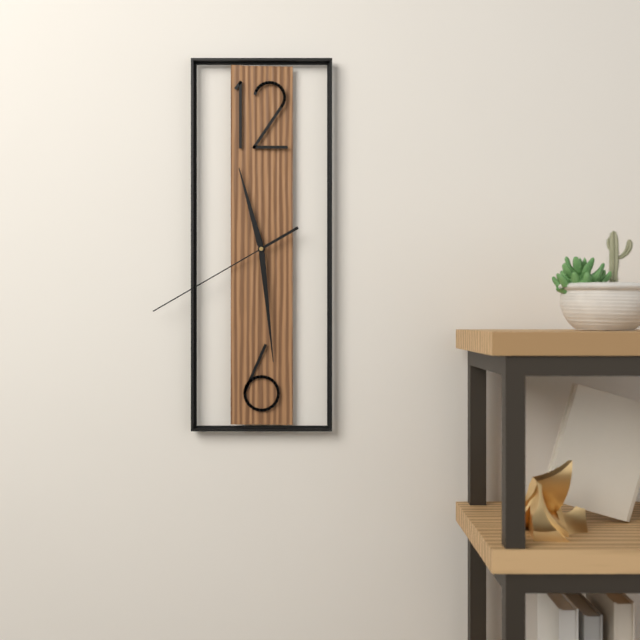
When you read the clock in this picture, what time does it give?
11:29:40
